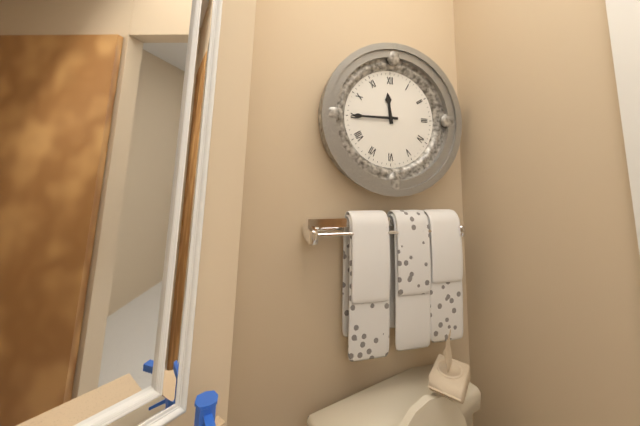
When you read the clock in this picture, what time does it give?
11:45
